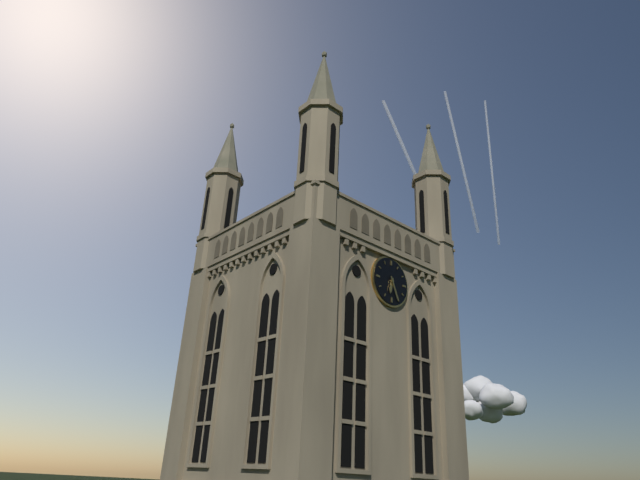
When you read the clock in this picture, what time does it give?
6:26
